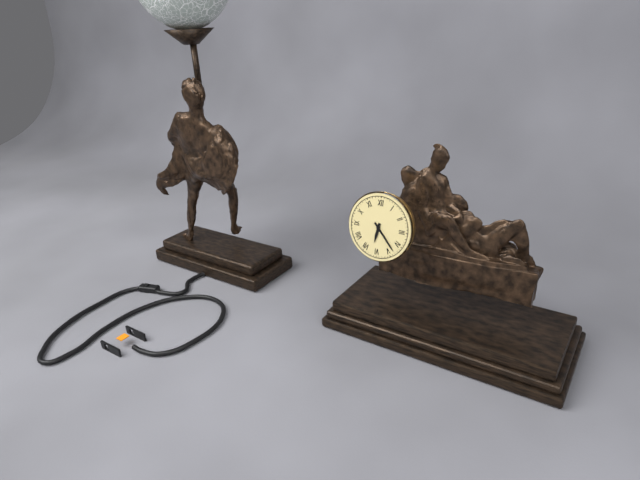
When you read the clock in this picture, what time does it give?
6:23
